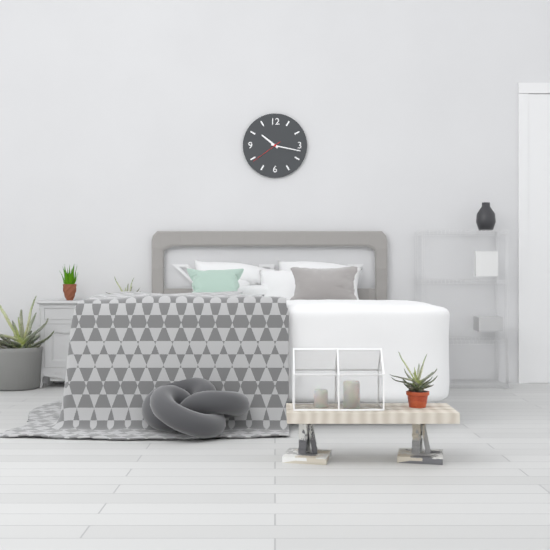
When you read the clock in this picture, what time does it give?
10:17
